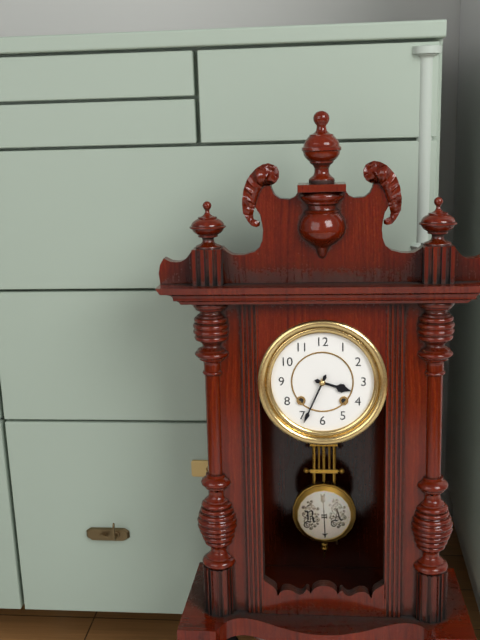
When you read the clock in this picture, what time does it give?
3:34
